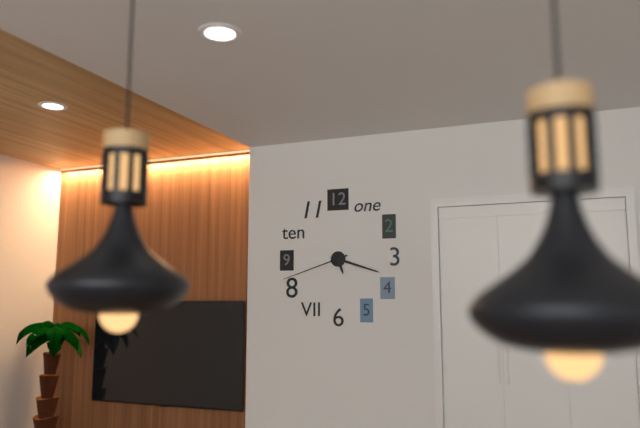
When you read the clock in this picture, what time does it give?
5:18:42
